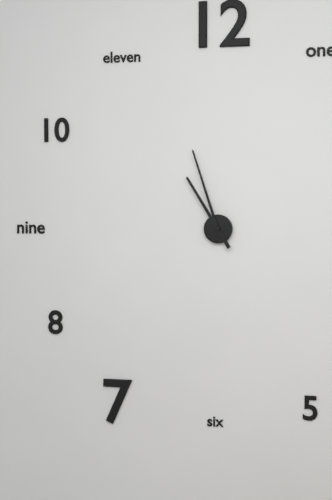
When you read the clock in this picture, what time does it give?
10:57
